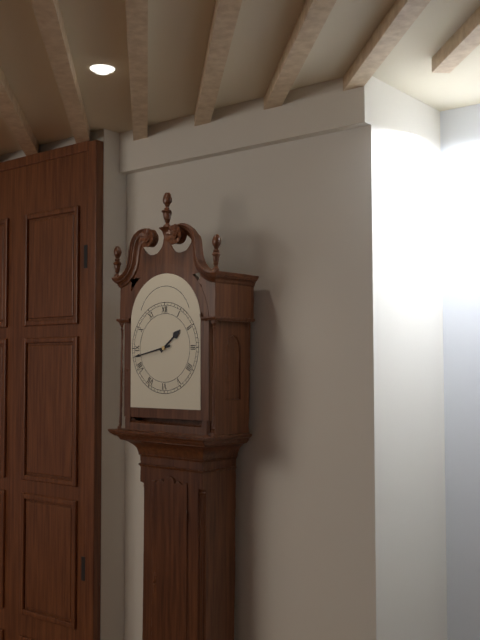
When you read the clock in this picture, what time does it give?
1:43
